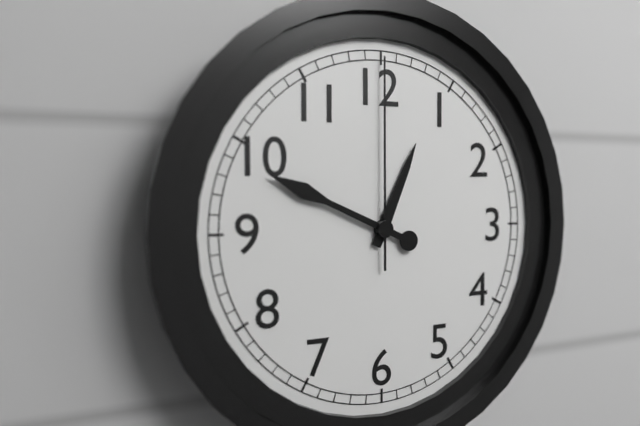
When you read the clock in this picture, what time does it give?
12:49:00
